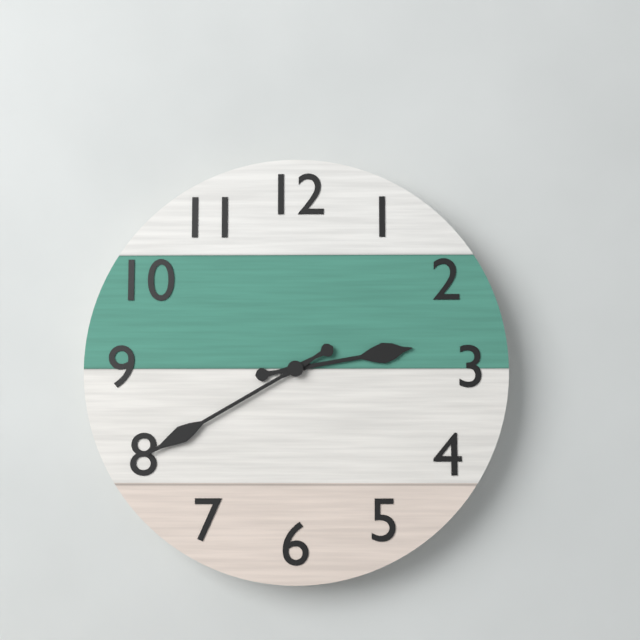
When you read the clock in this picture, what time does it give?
2:40
